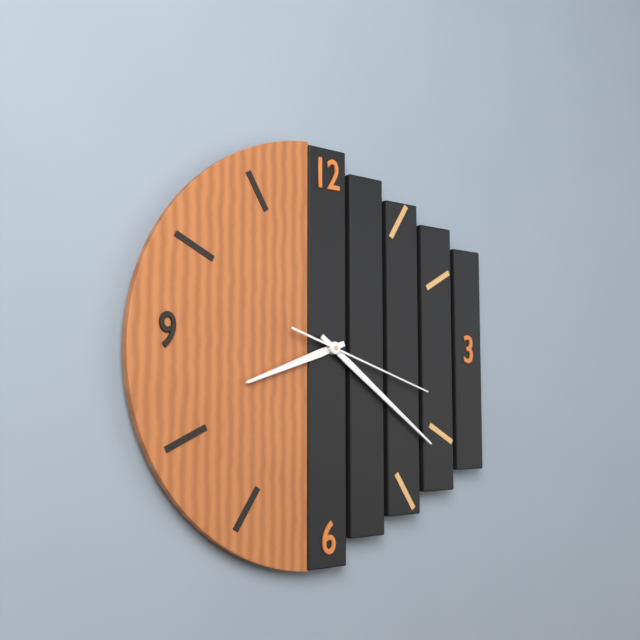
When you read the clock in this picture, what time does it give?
8:21:18
